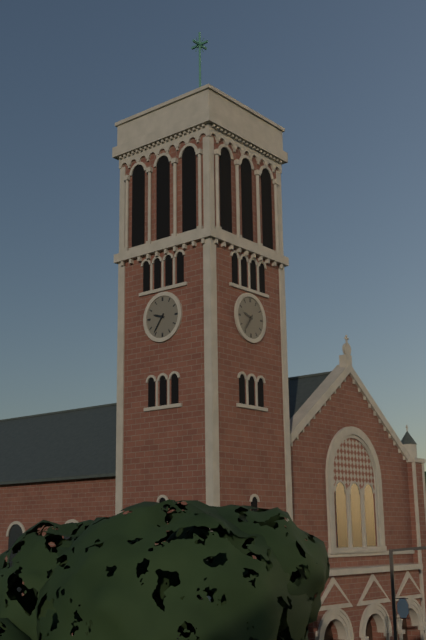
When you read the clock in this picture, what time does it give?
9:36
